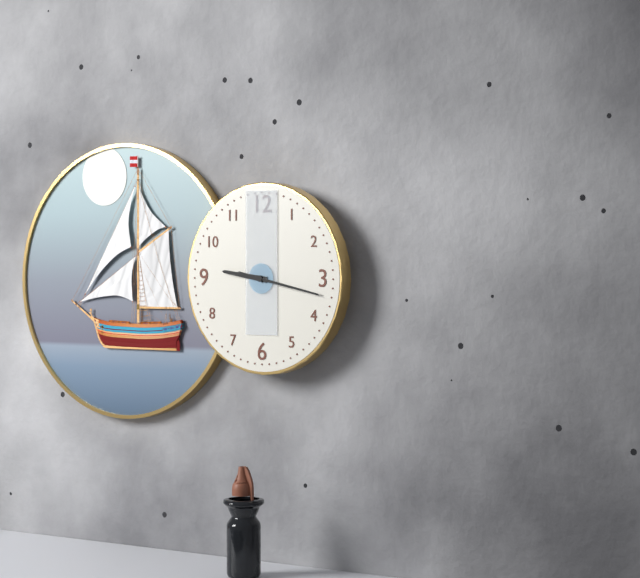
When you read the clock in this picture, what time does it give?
9:17
